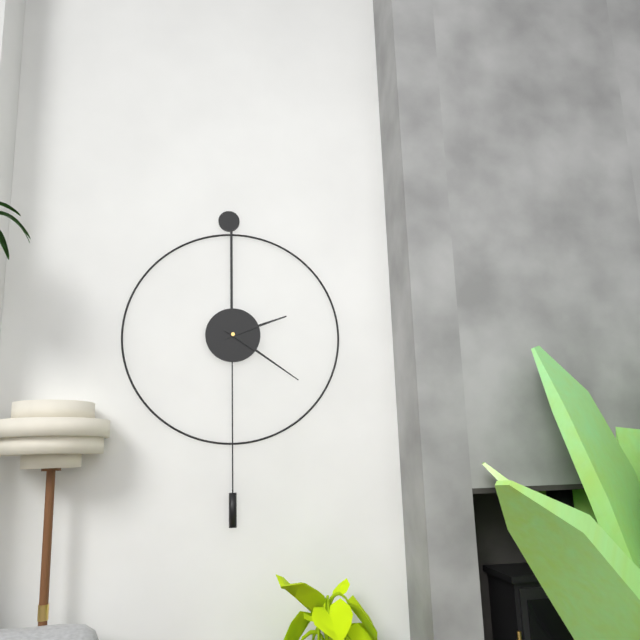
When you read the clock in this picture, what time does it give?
2:21
